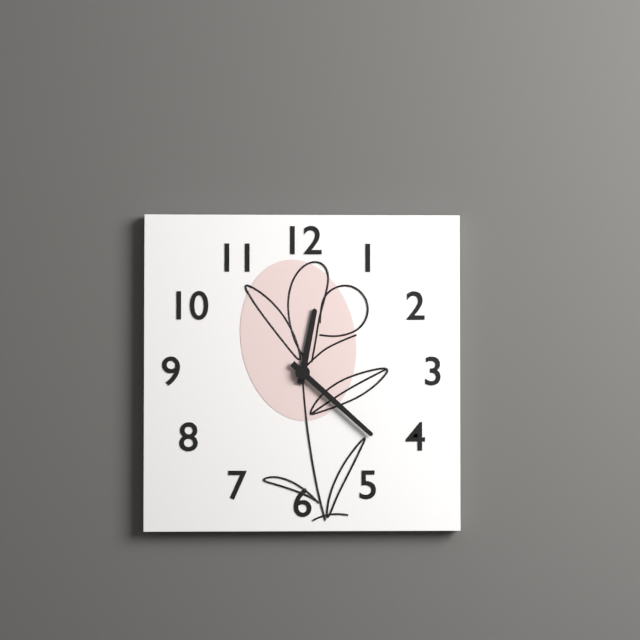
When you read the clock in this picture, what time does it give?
12:22
